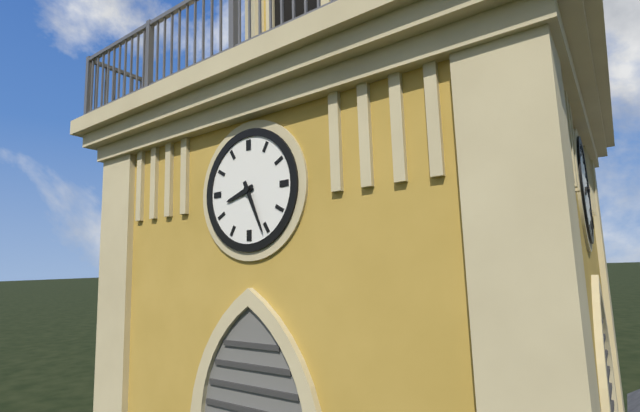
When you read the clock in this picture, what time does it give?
8:26
